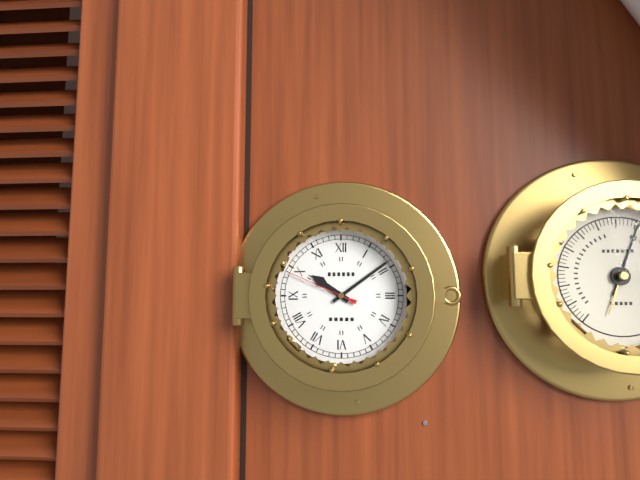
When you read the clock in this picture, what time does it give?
10:09:49
